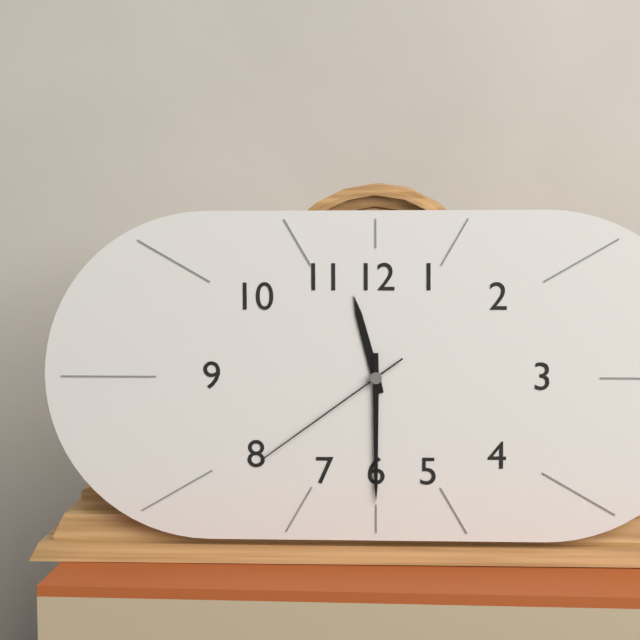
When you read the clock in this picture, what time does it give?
11:30:39
